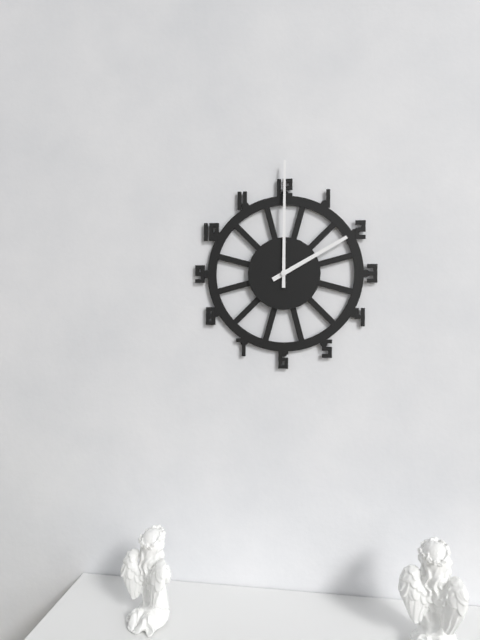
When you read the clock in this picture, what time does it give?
2:00
